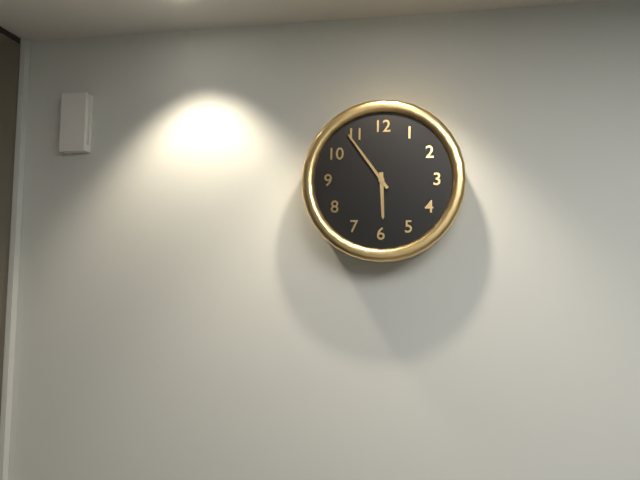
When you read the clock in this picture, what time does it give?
5:54
